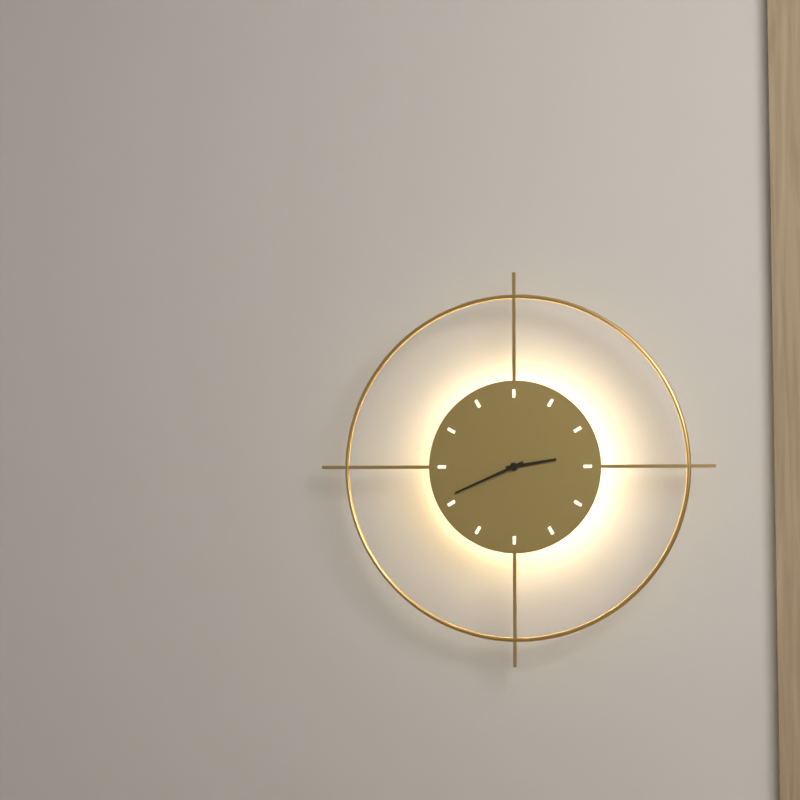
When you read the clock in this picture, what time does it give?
2:41
